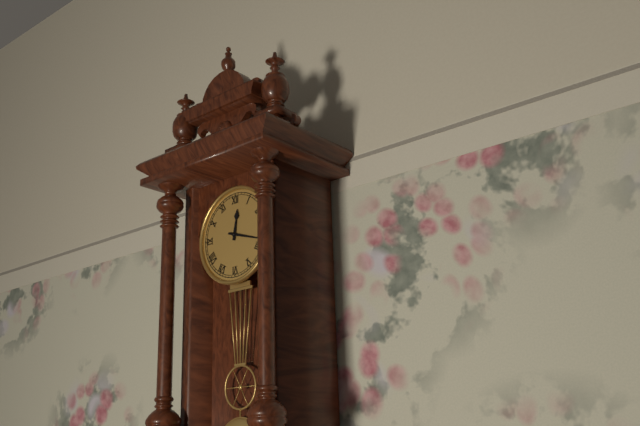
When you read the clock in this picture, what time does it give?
12:18
